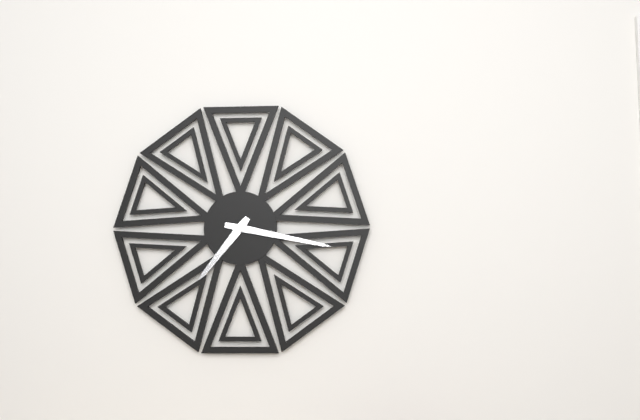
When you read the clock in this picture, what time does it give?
7:17
